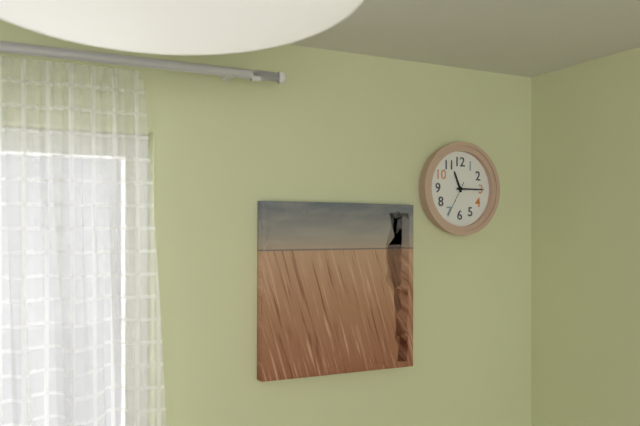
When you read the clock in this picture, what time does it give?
11:15
